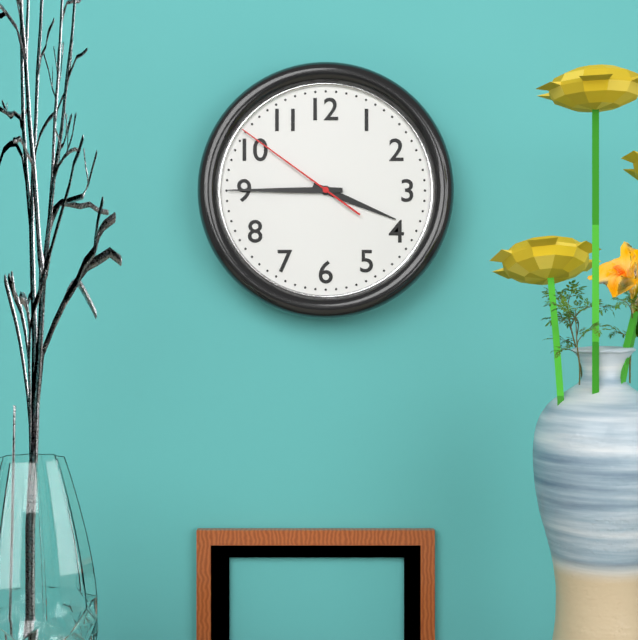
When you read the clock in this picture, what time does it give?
3:45:51
